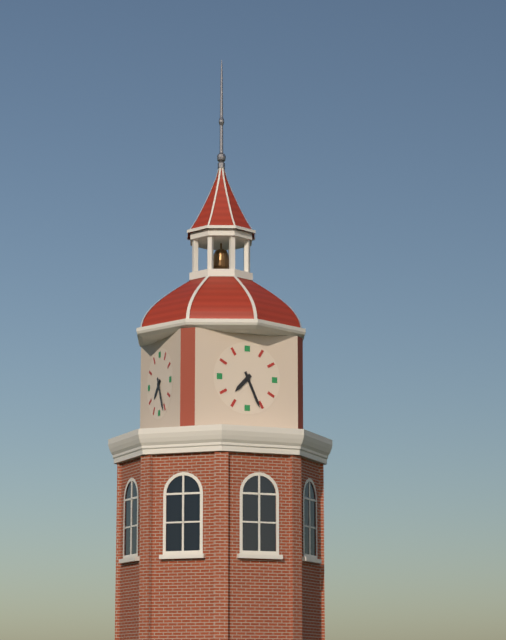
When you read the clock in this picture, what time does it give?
7:26
